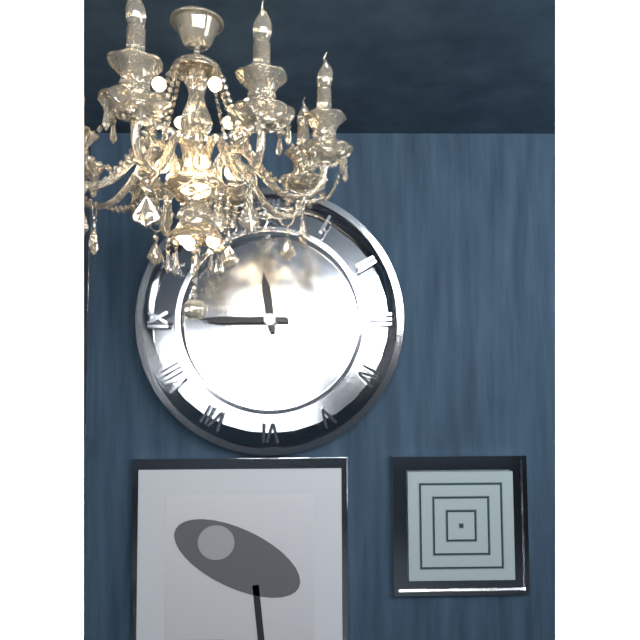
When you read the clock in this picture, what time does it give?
11:45
